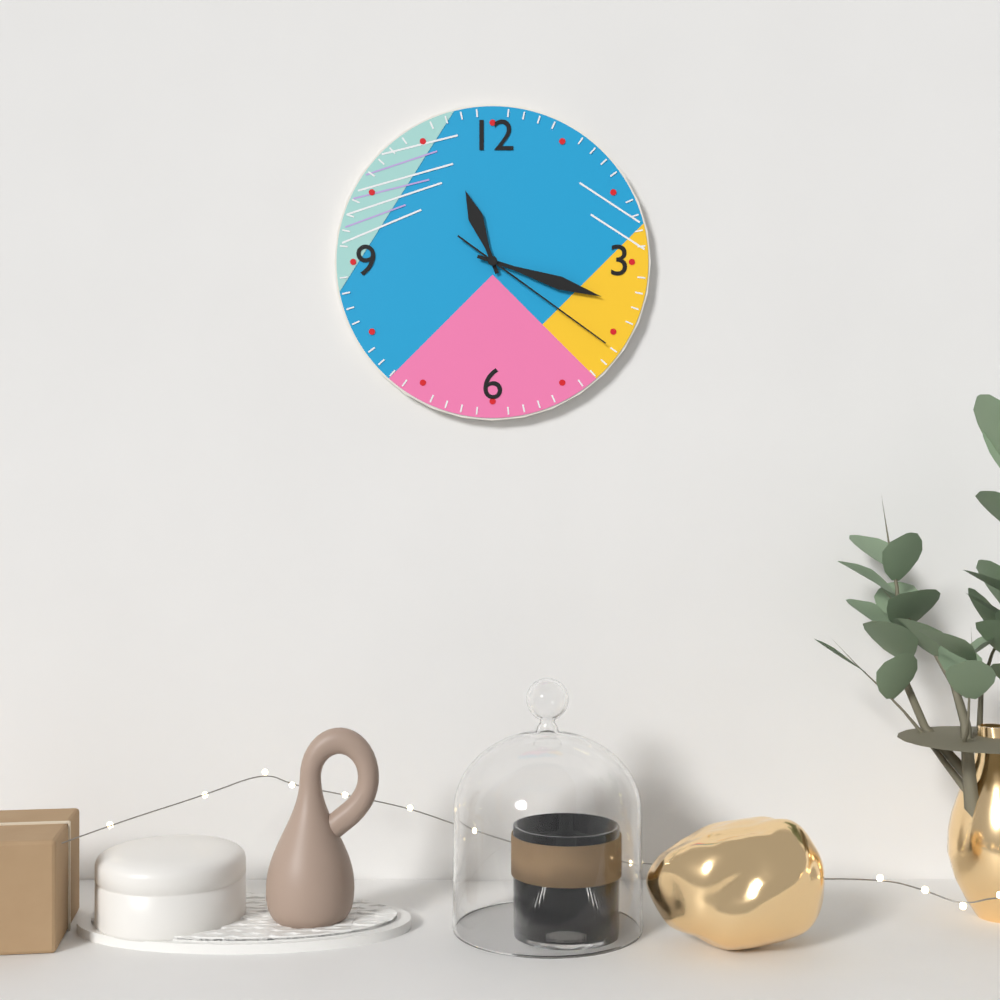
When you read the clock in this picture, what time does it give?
11:18:21
